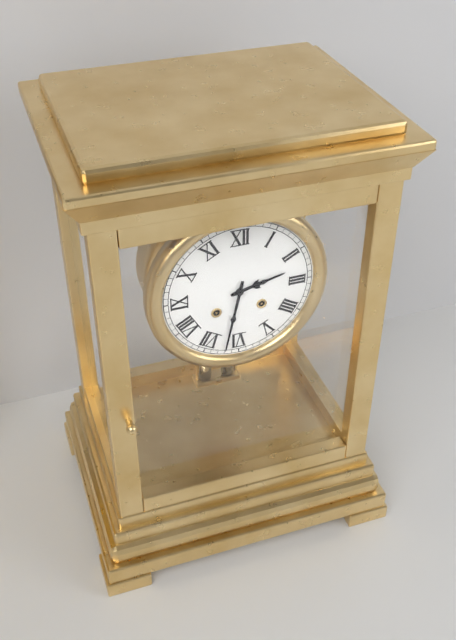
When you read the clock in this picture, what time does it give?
2:32
